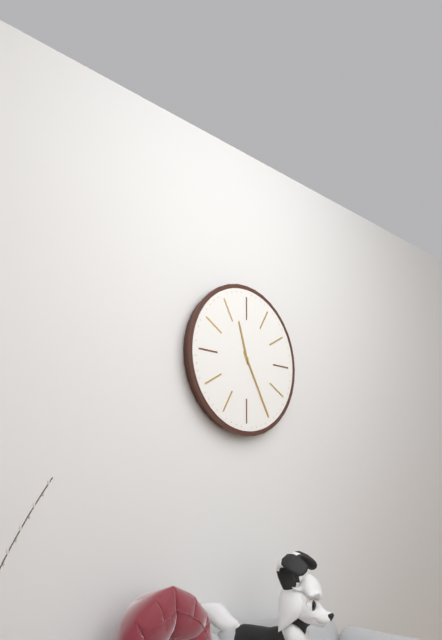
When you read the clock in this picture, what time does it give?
11:25
